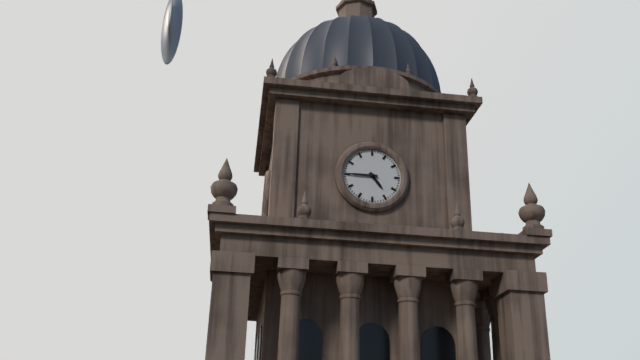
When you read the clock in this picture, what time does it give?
4:45
